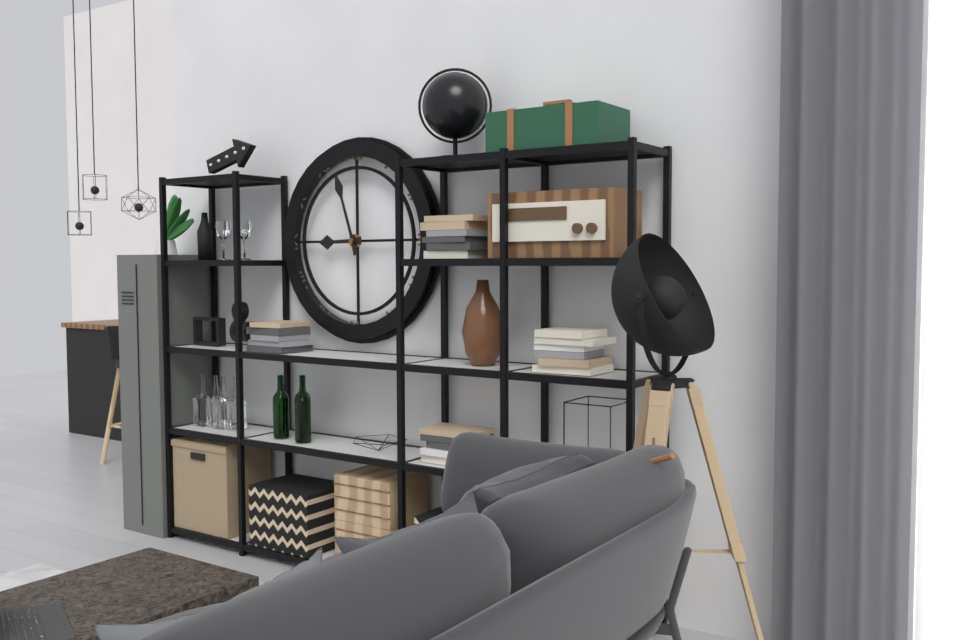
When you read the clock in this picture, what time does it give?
8:57
